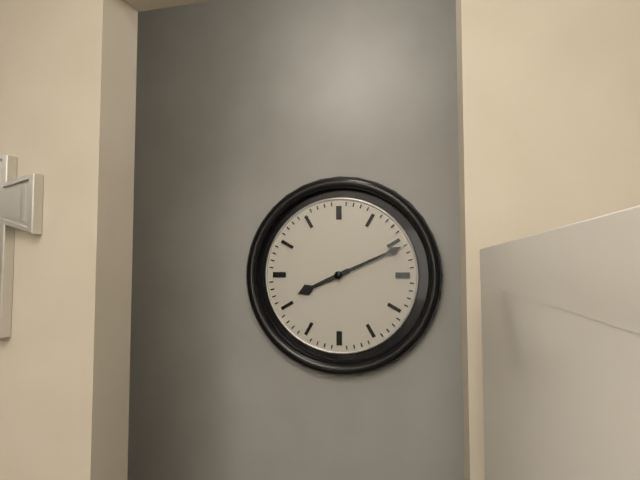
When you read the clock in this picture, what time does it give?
8:11
